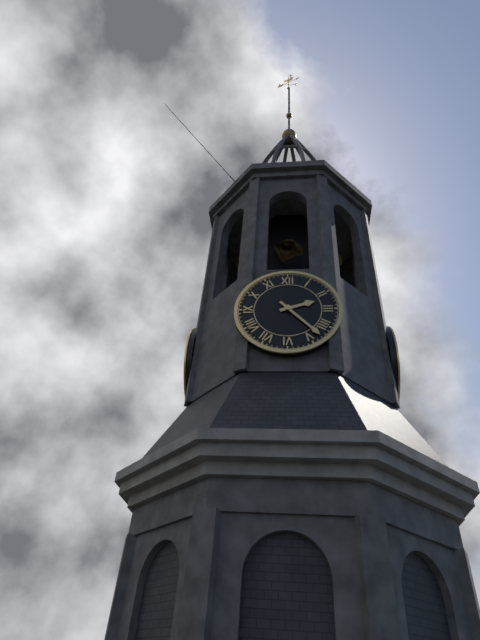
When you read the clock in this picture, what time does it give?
2:23
